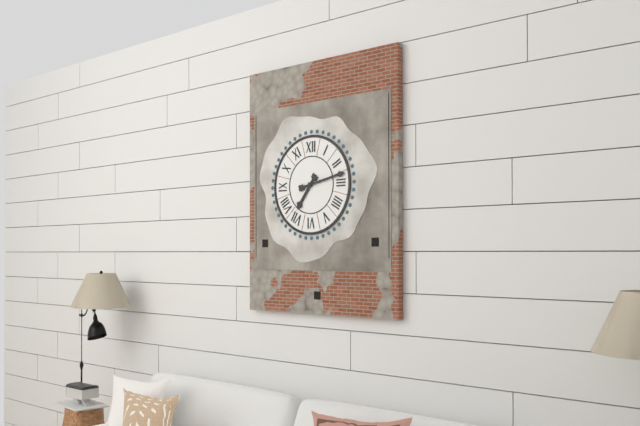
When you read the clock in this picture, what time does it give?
7:13
